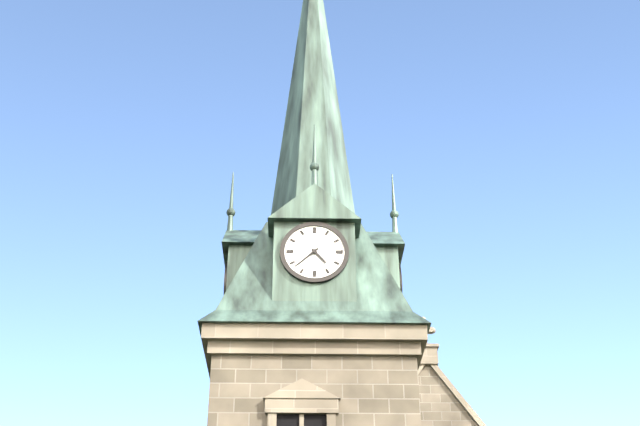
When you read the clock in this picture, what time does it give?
4:38
